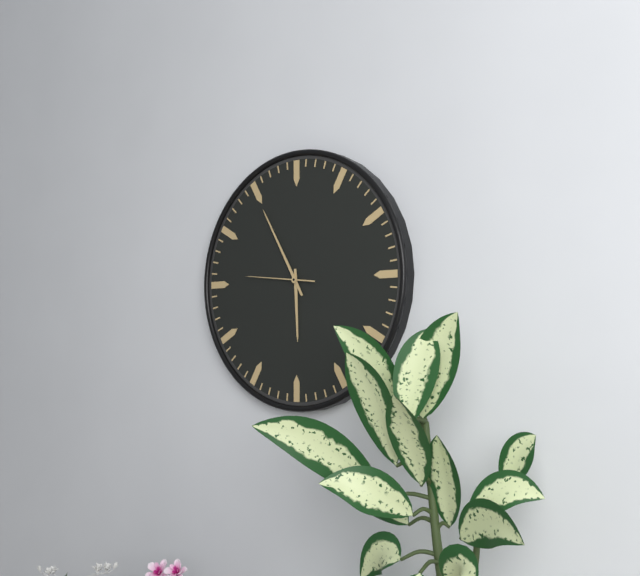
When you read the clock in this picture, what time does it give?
5:55:46
